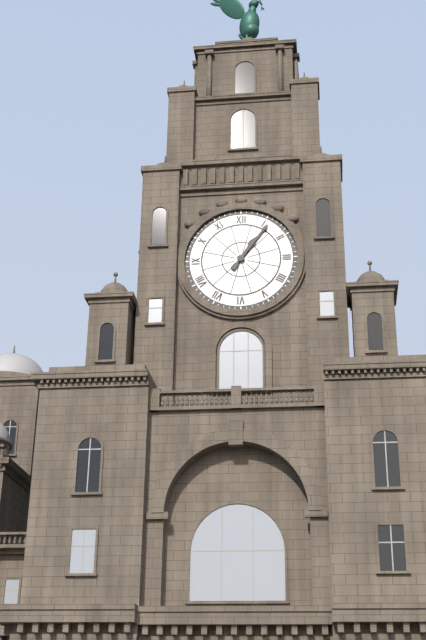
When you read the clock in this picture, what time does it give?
1:06
